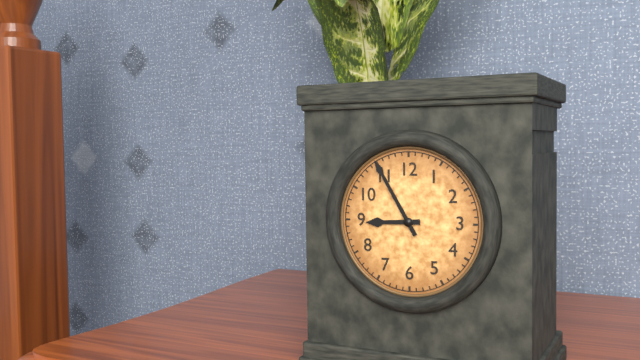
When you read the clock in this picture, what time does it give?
8:55
